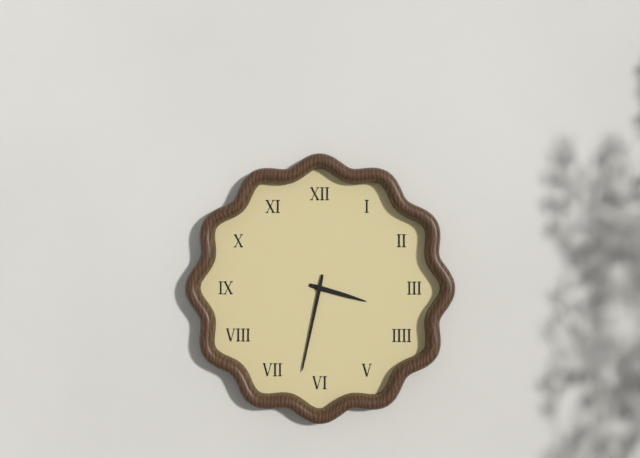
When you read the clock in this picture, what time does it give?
3:32
